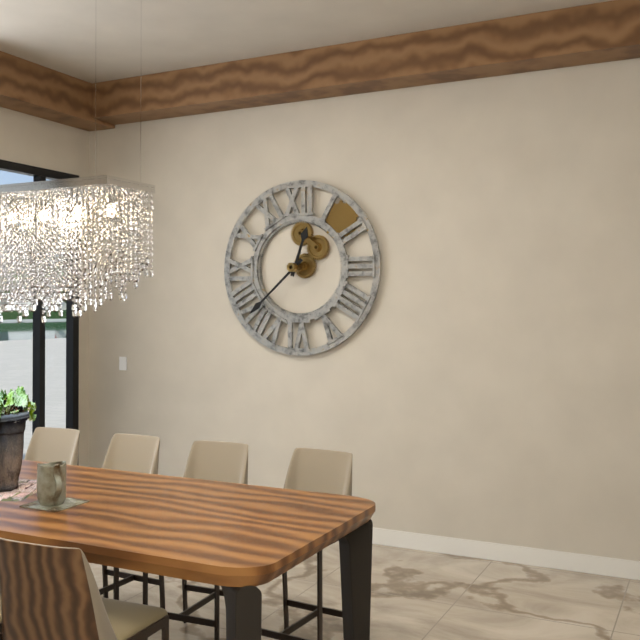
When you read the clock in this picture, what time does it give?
12:38
